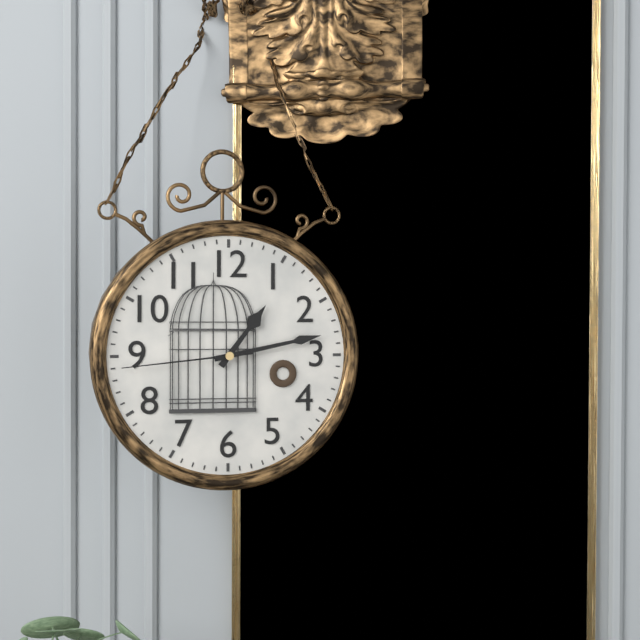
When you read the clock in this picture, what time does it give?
1:13:44
